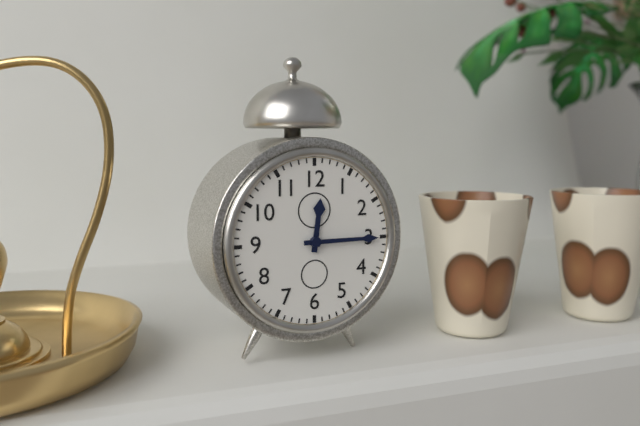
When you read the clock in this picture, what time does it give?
12:15
